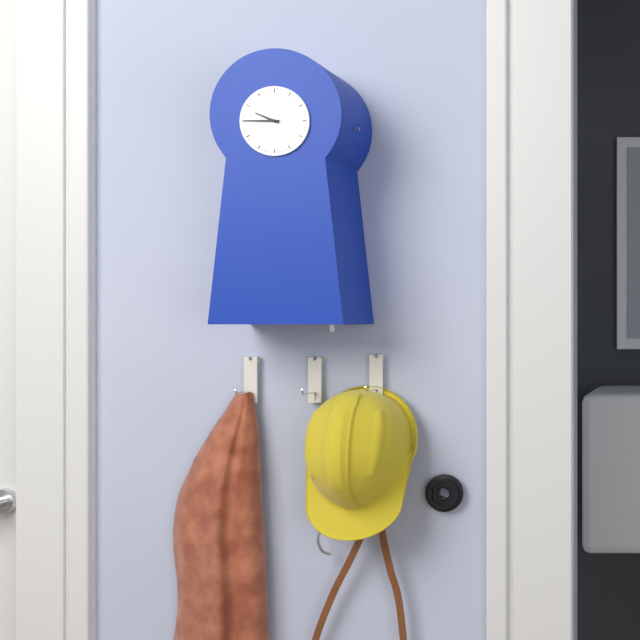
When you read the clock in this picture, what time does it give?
9:45
